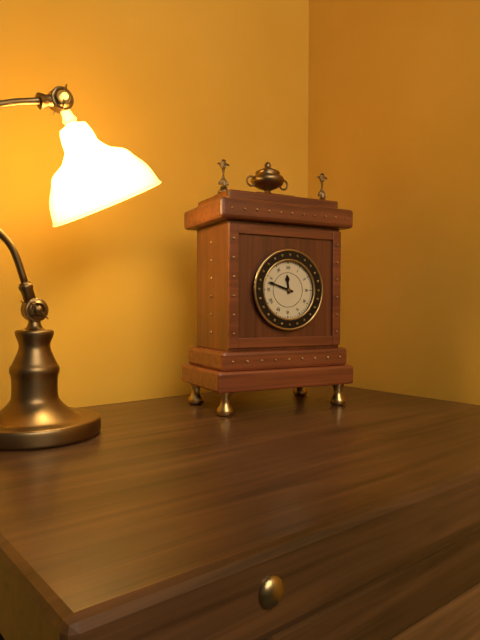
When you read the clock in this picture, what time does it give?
11:48
